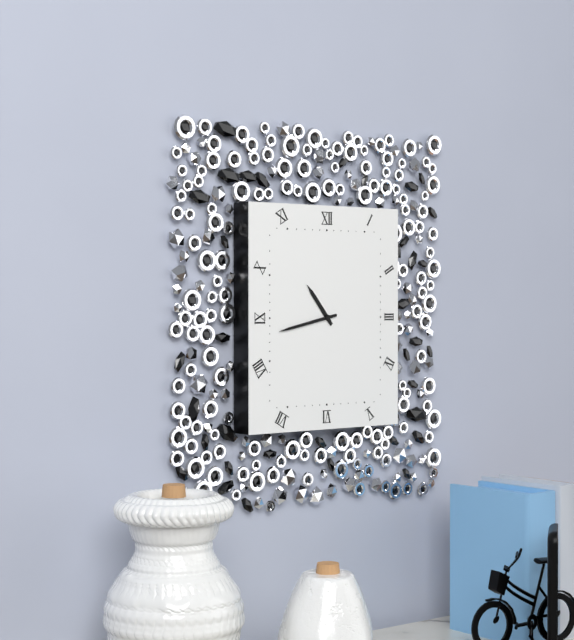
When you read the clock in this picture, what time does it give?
10:43
